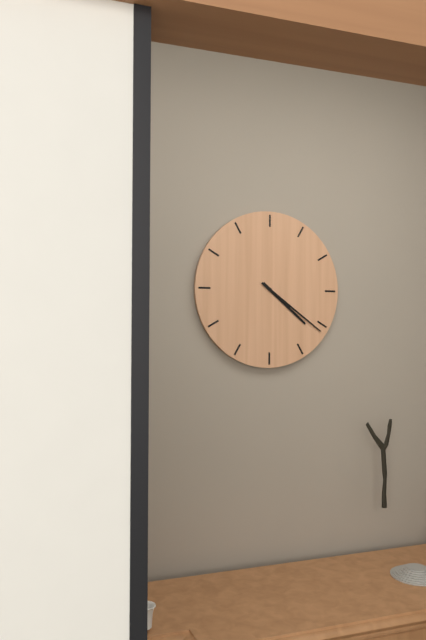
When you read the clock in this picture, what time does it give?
4:21
